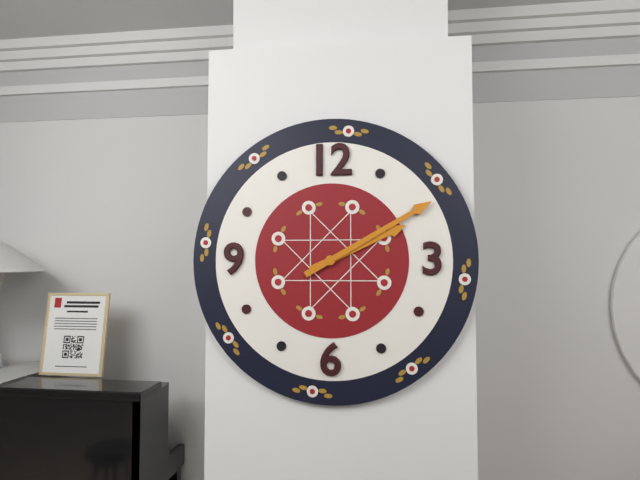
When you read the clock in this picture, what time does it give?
2:10
